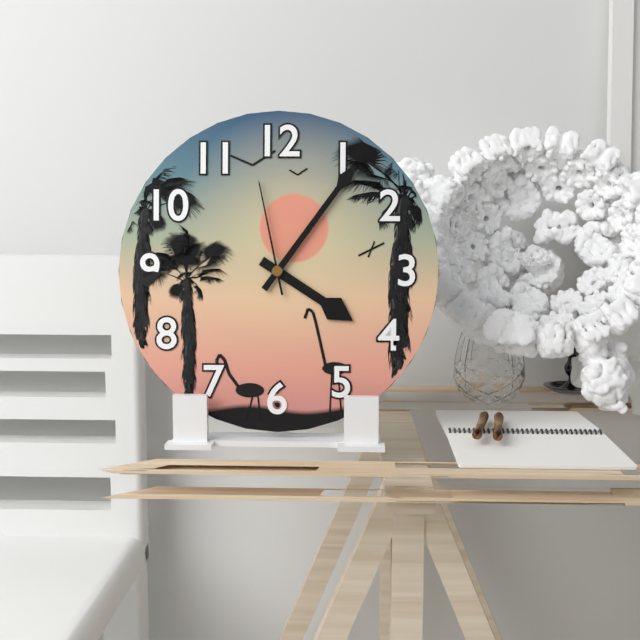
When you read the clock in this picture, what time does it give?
4:06:58
